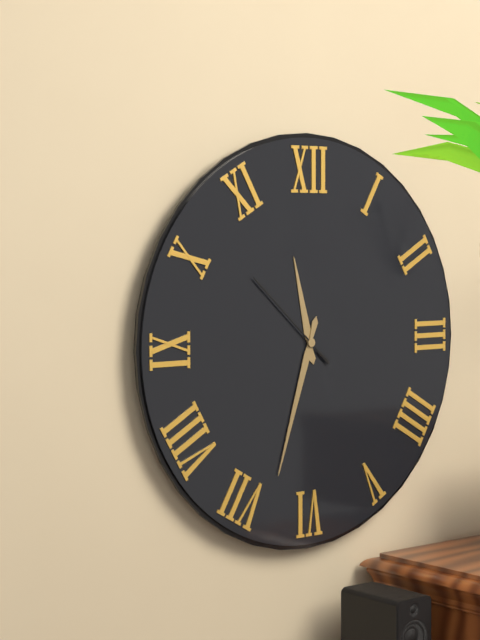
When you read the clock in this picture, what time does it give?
11:33:52
